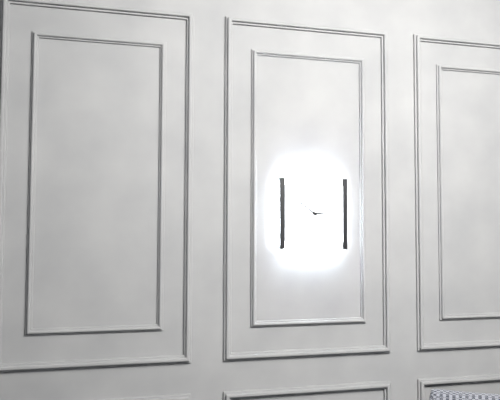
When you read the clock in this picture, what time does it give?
2:51
